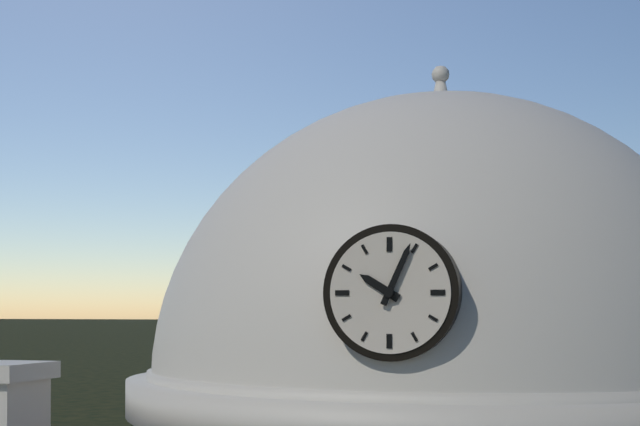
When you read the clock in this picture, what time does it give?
10:04
